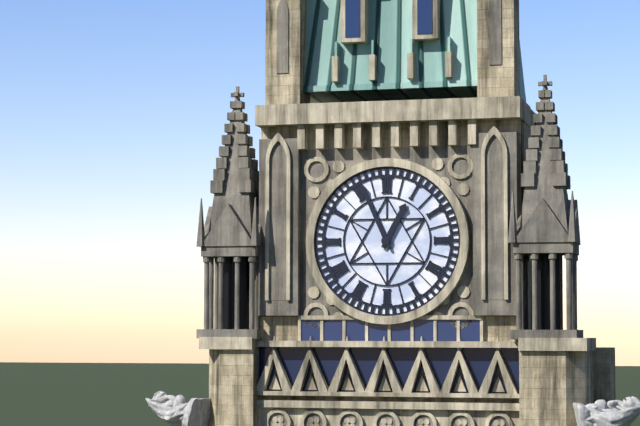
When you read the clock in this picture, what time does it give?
12:56
